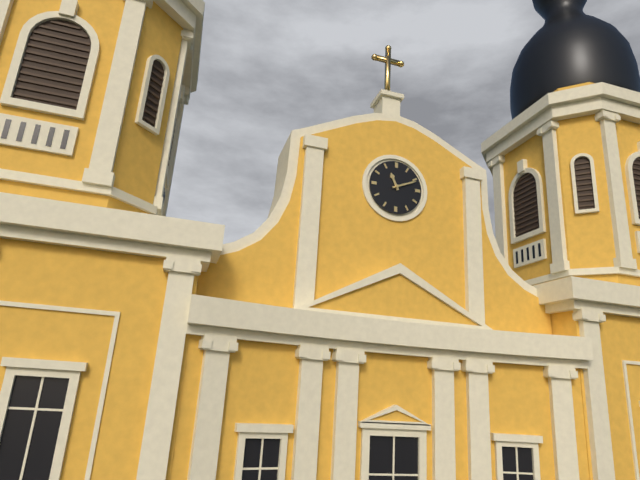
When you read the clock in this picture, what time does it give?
11:11
